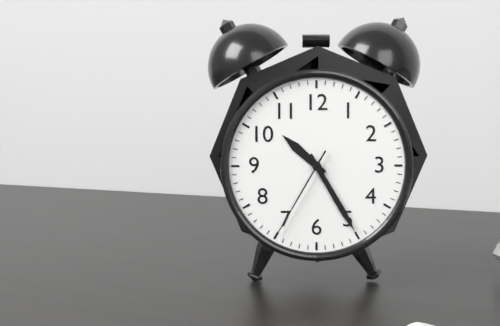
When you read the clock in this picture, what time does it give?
10:25:35
